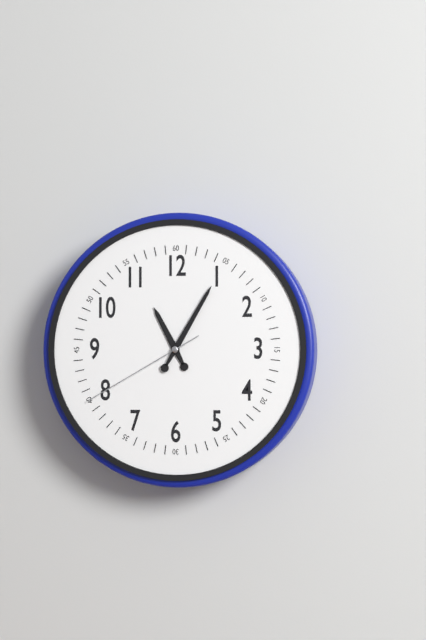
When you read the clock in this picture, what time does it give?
11:05:40
